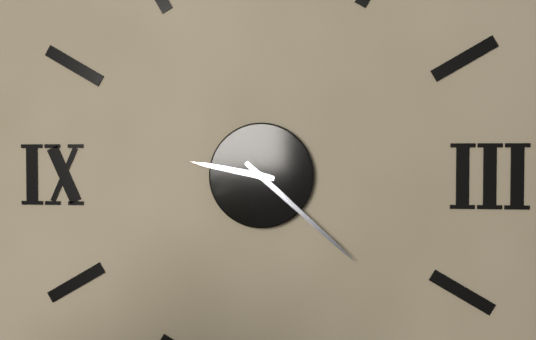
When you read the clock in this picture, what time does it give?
9:22
